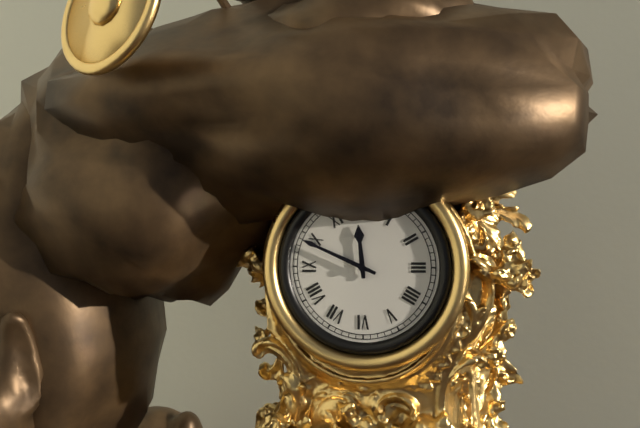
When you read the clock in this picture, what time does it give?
11:49
